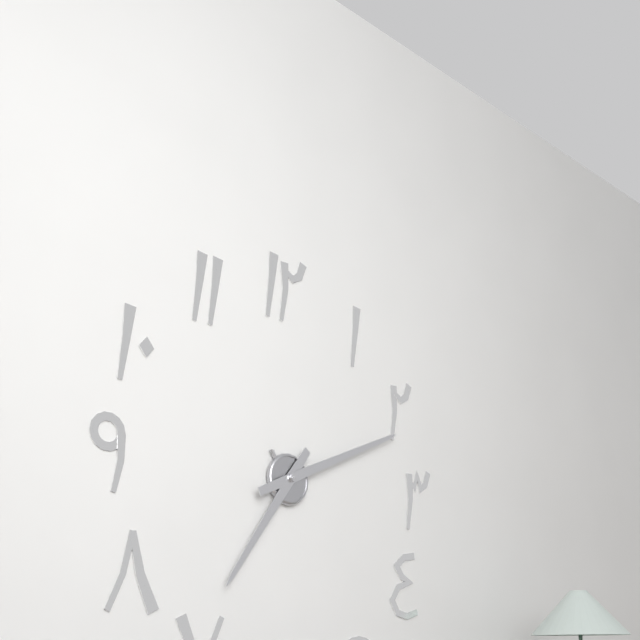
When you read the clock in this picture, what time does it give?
7:11
